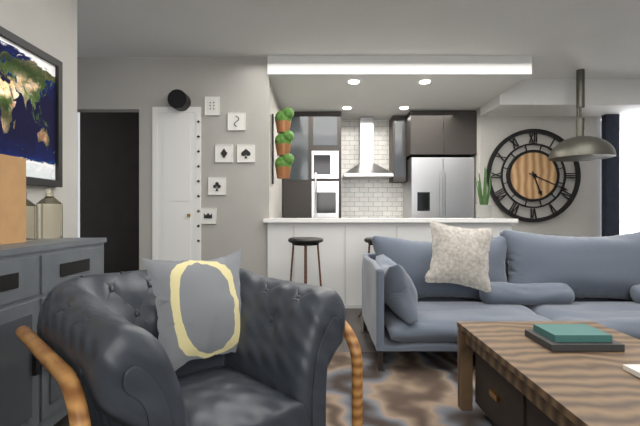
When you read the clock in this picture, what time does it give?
5:19
